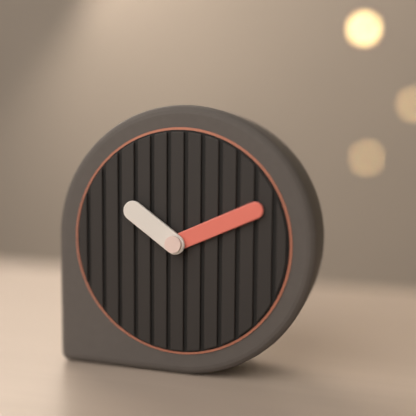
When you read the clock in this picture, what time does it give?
10:11
